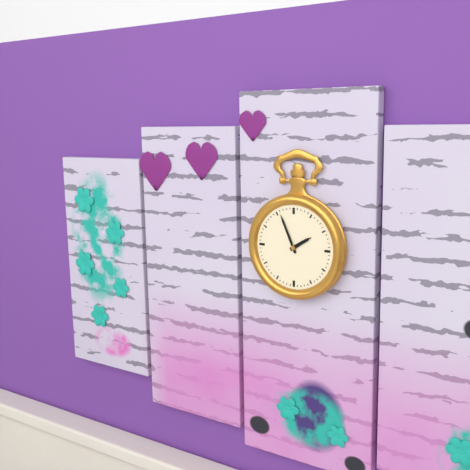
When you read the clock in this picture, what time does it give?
1:56
